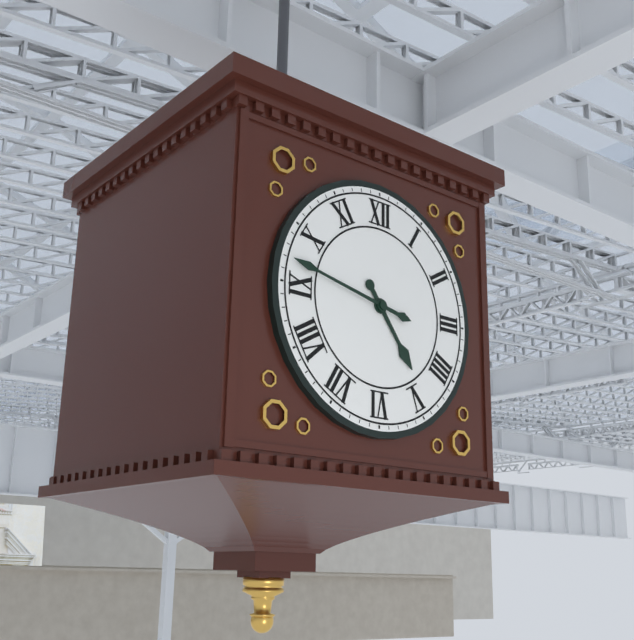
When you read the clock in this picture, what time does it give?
4:47
